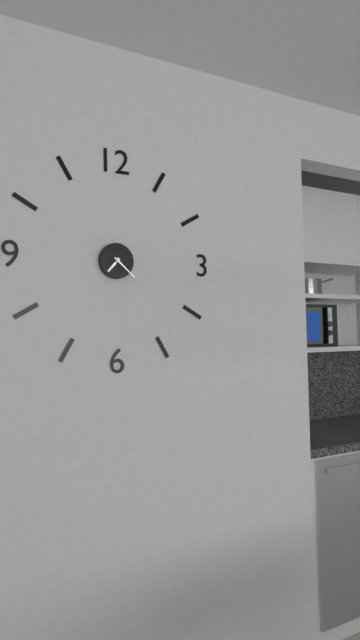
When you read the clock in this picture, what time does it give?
7:22
